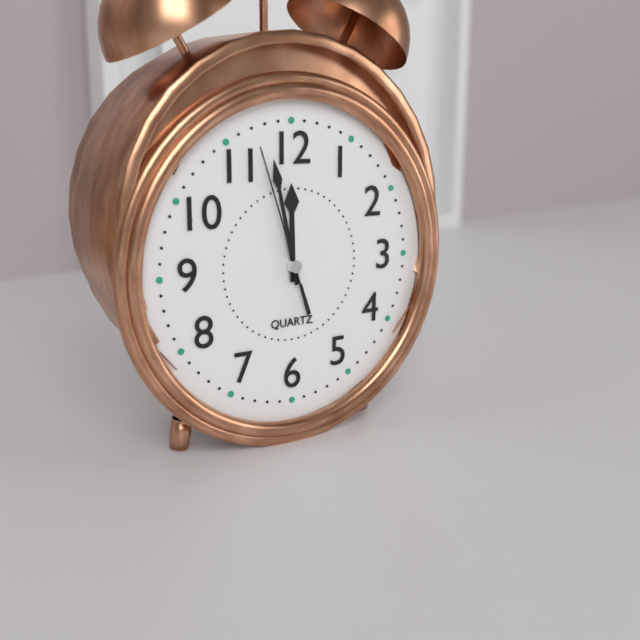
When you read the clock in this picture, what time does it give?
11:58:57
